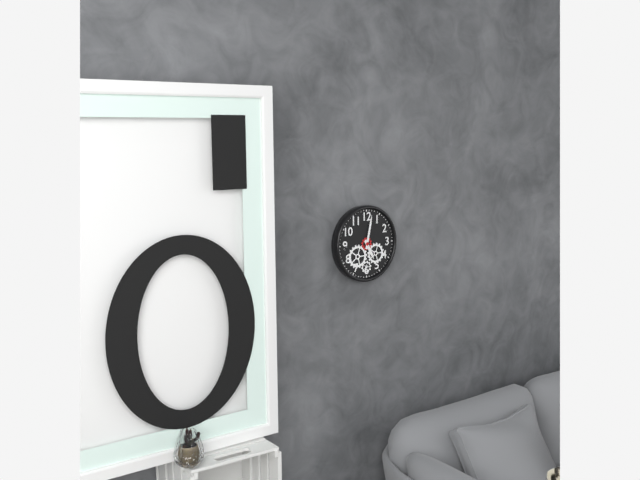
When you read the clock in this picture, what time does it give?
5:02
